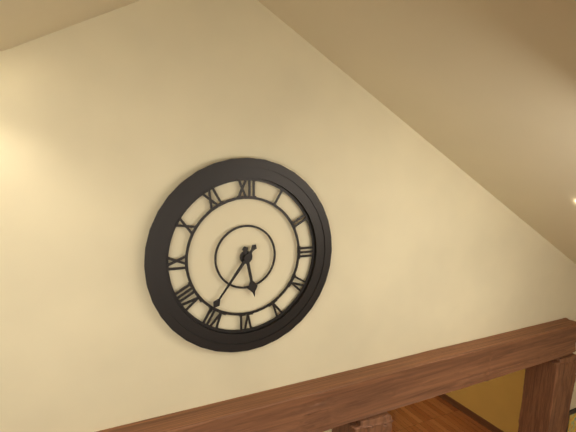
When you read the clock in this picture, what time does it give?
5:36
